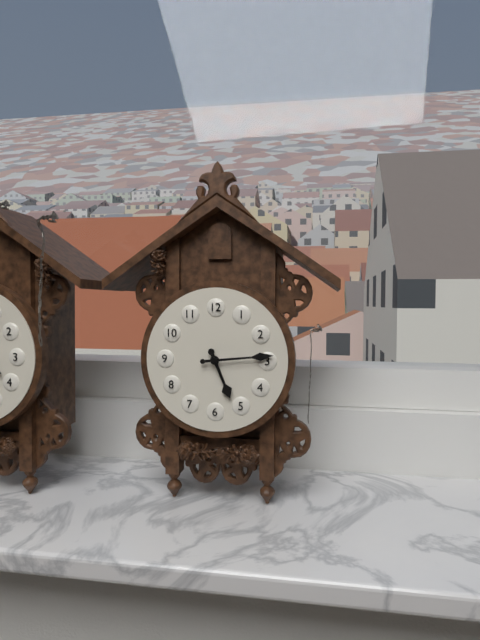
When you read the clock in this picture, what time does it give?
5:14
